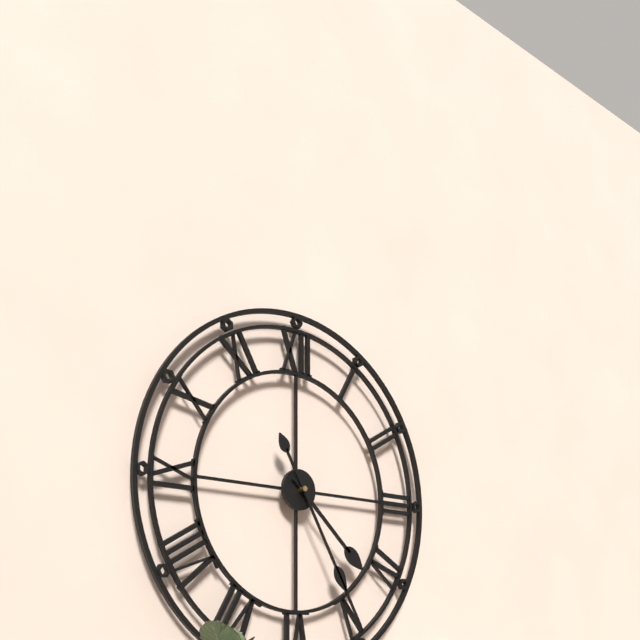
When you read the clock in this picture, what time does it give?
4:25
